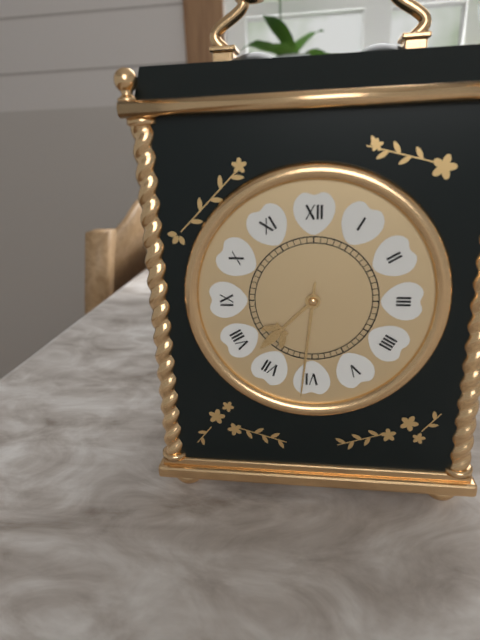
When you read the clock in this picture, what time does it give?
7:31
